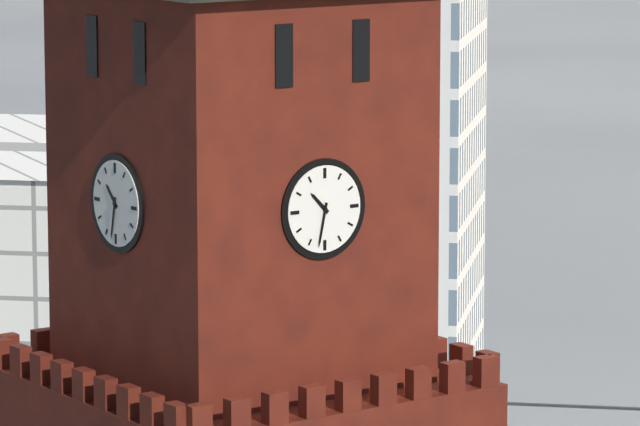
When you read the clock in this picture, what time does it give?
10:32
